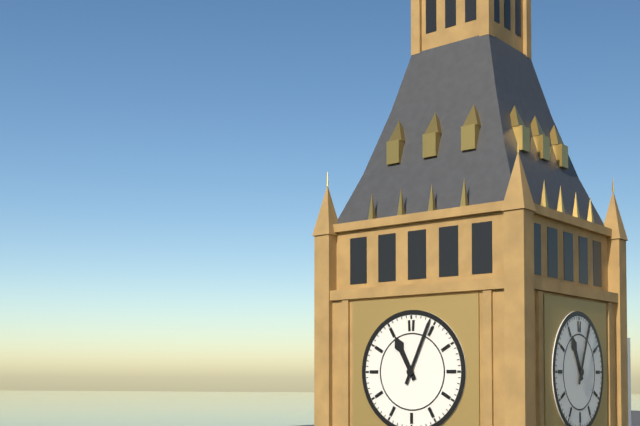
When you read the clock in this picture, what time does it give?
11:04
